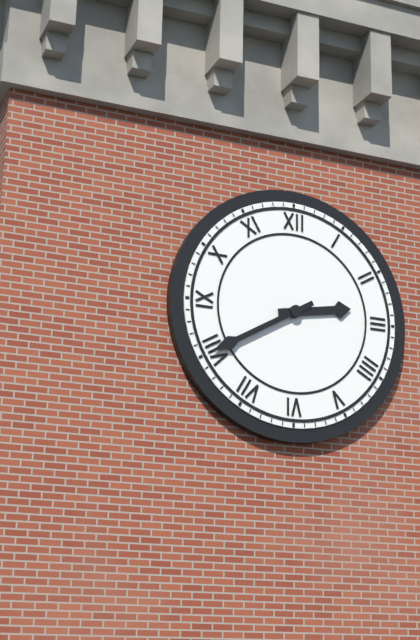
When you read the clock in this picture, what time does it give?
2:40
